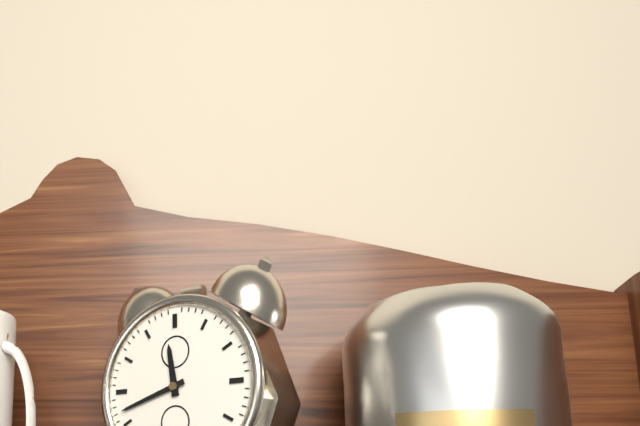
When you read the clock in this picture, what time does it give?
11:42
